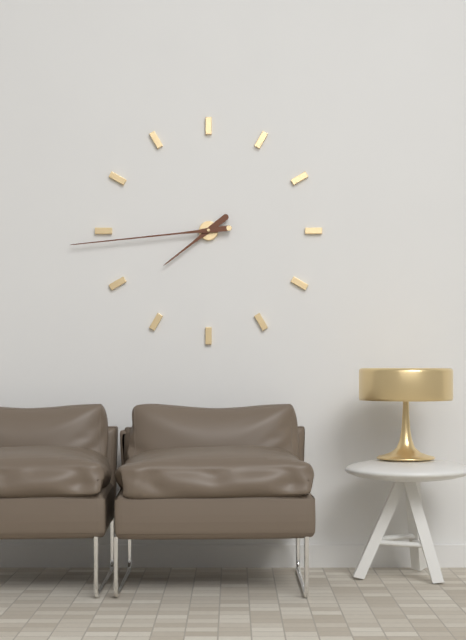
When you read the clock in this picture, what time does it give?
7:44
